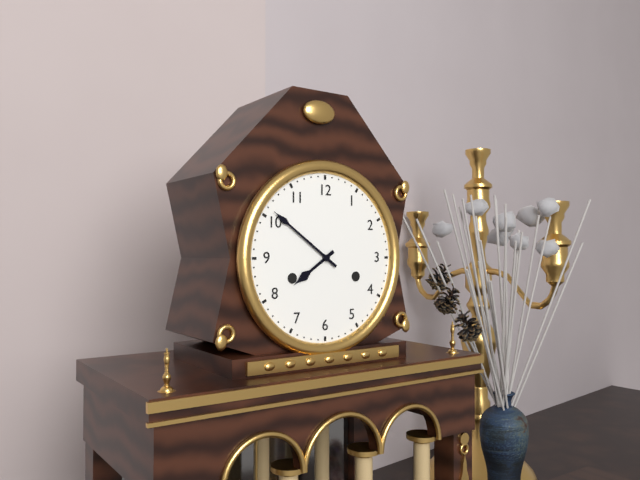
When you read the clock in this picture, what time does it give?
7:51
